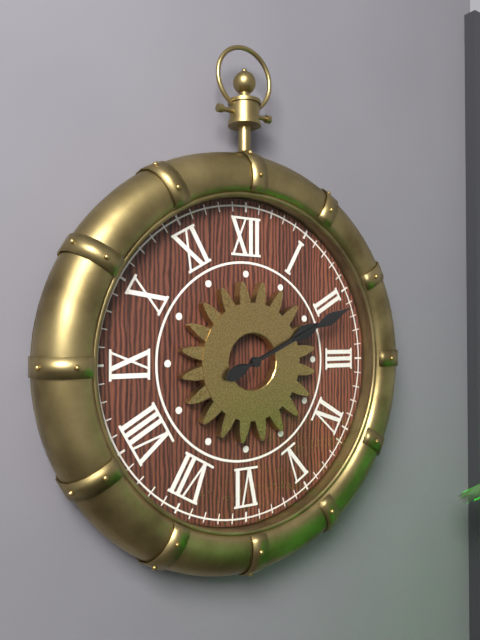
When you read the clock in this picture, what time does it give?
2:11
